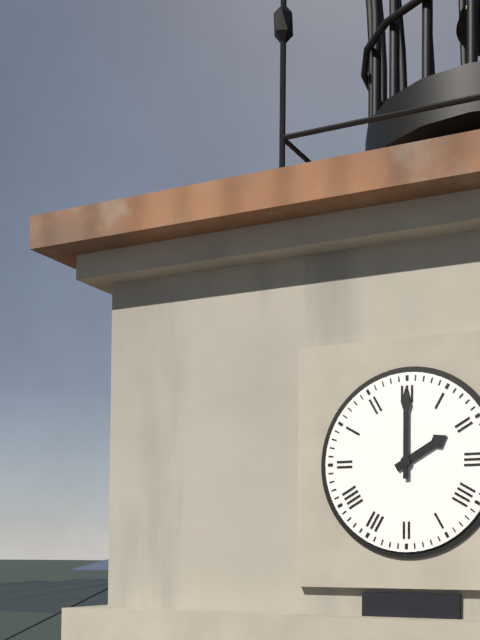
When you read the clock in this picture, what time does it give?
2:00
